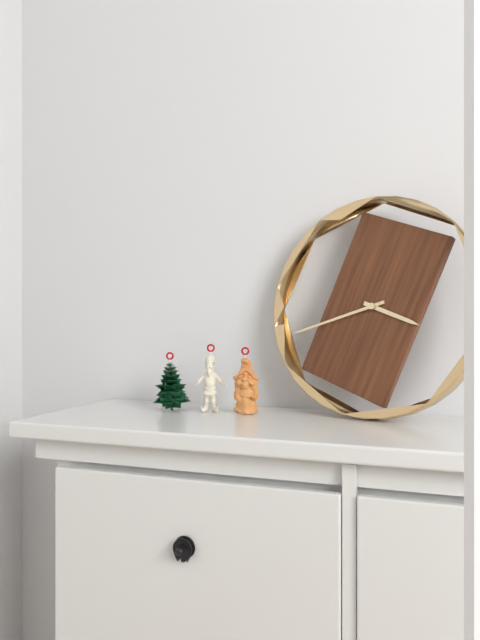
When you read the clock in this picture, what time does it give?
3:42
